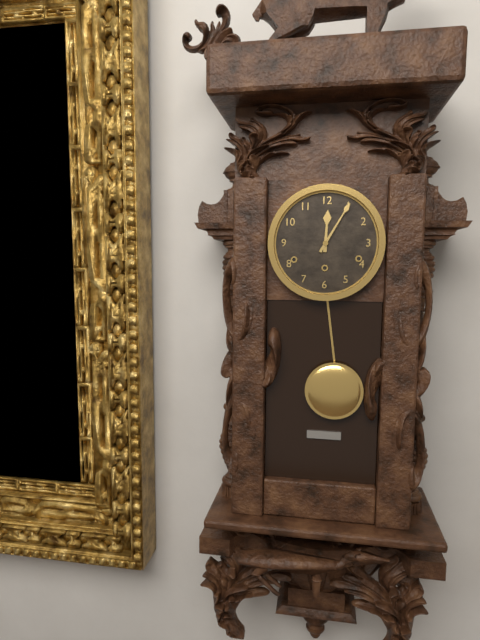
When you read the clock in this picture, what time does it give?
12:05
